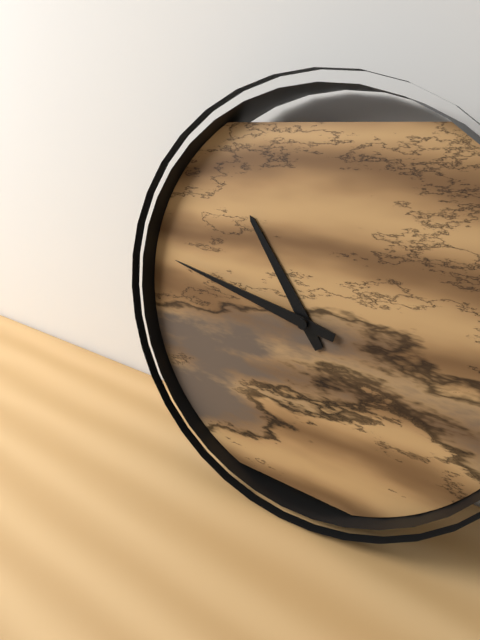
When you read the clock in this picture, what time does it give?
10:47
